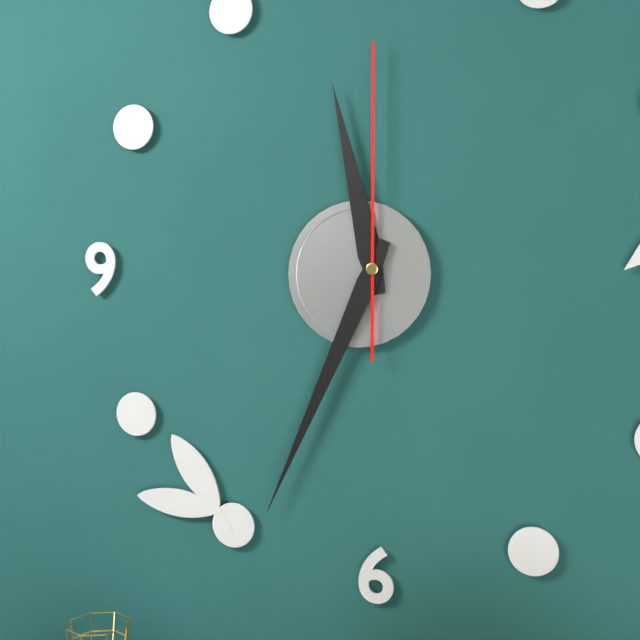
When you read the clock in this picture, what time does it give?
11:34:00
